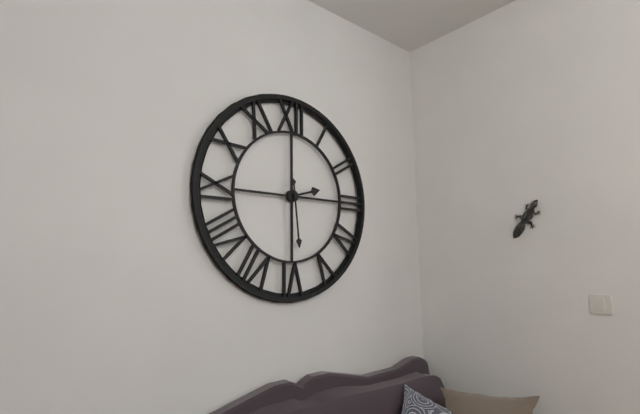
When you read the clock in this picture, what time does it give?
2:29
